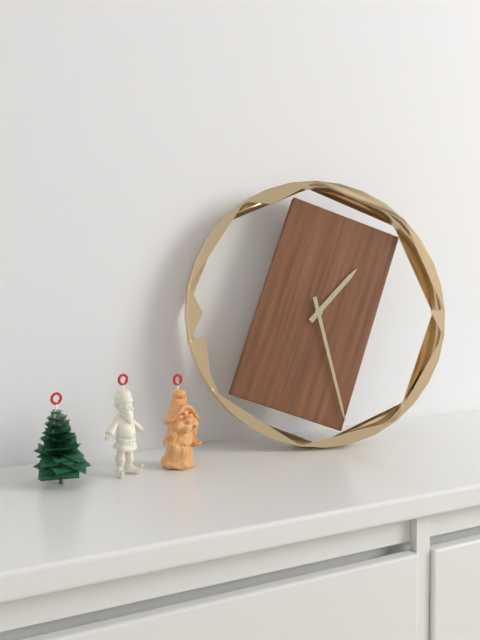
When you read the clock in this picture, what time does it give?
1:28
